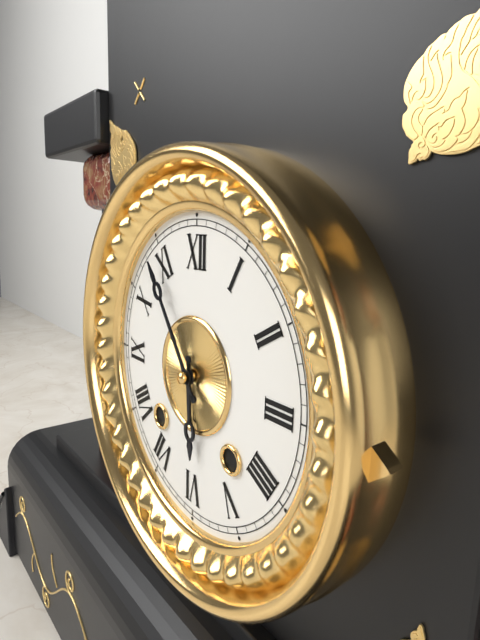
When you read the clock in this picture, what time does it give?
5:54
